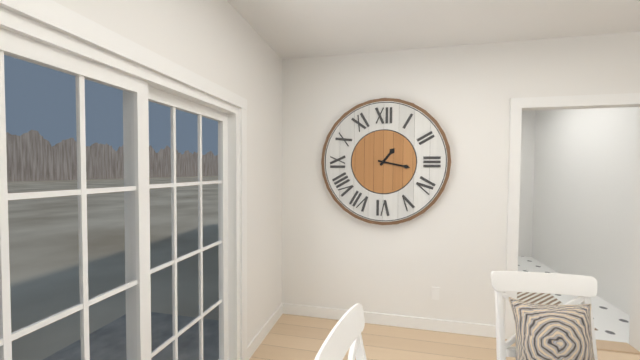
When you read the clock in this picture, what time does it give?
1:17
